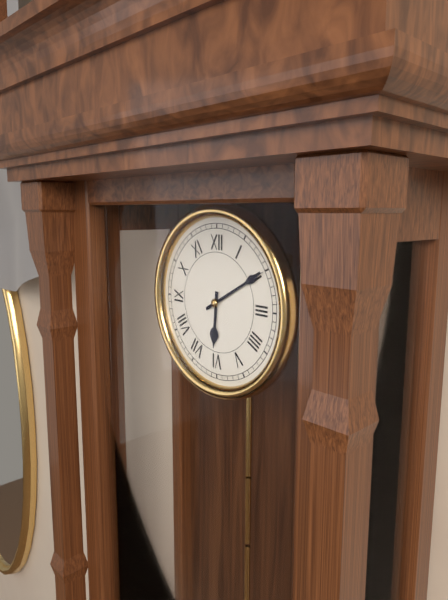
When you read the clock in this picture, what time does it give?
6:10
